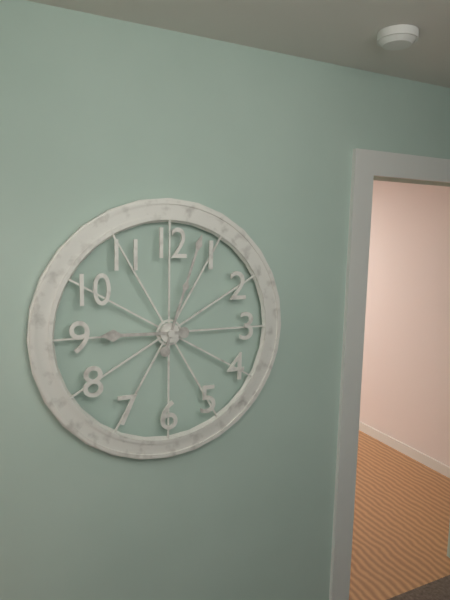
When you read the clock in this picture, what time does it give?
9:03
